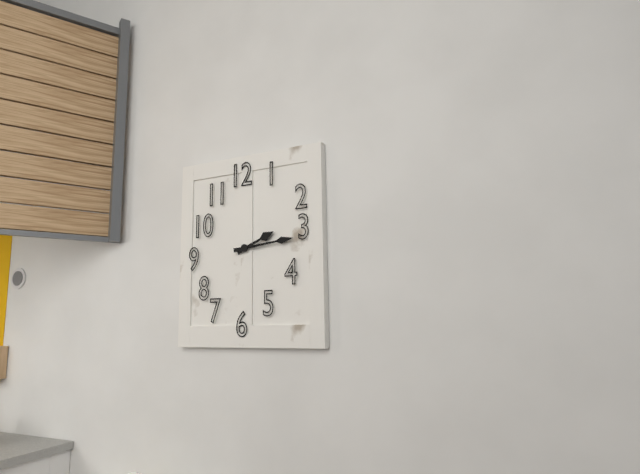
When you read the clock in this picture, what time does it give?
2:14
